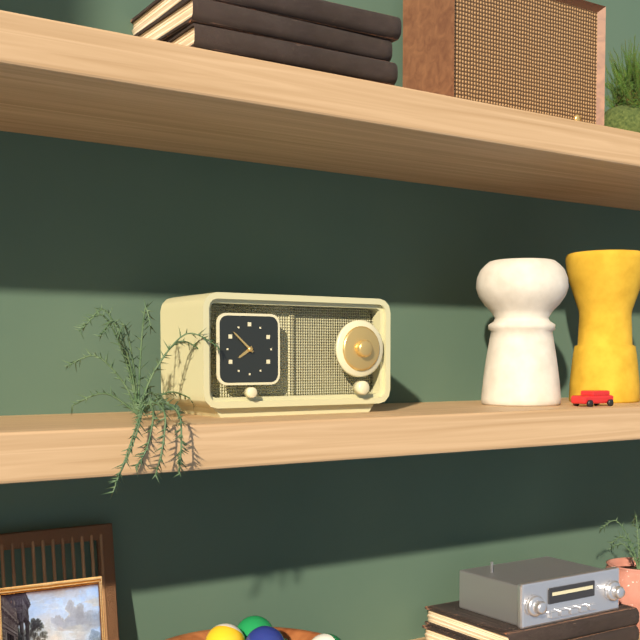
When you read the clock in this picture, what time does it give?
7:52
